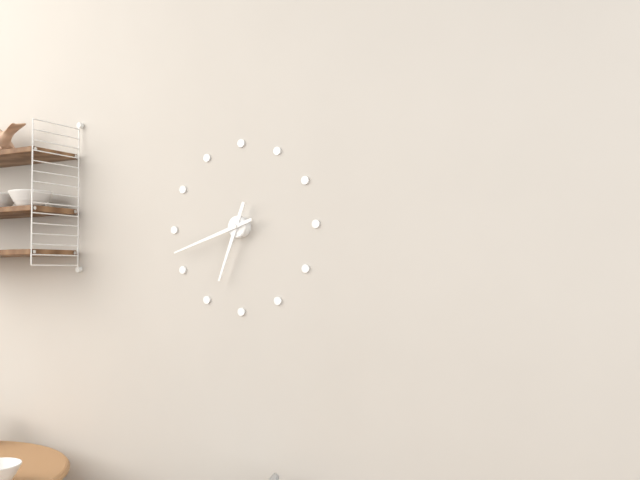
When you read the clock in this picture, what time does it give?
6:42
